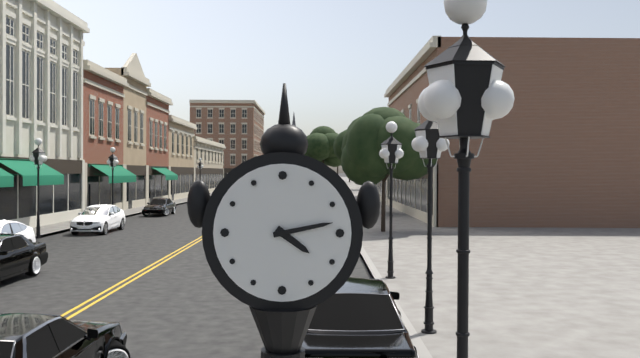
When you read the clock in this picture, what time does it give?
4:13
